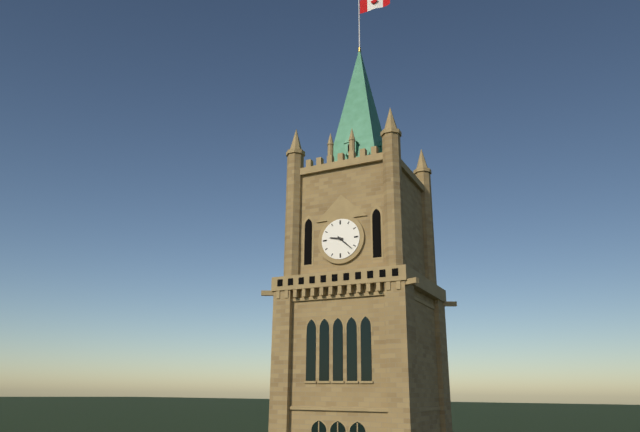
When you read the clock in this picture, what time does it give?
9:22
